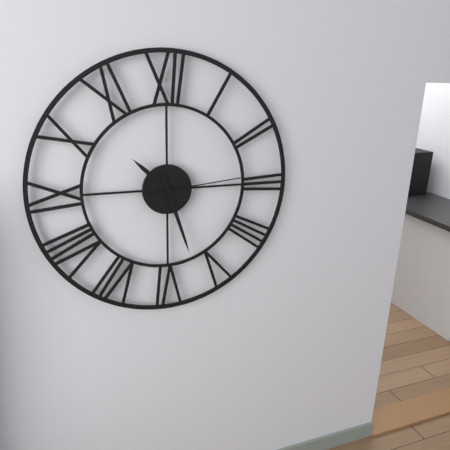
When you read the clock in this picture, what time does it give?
10:27:14
